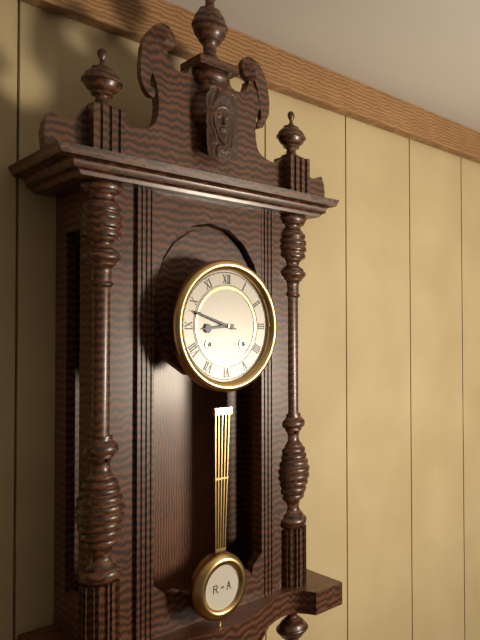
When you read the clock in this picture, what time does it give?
8:48
